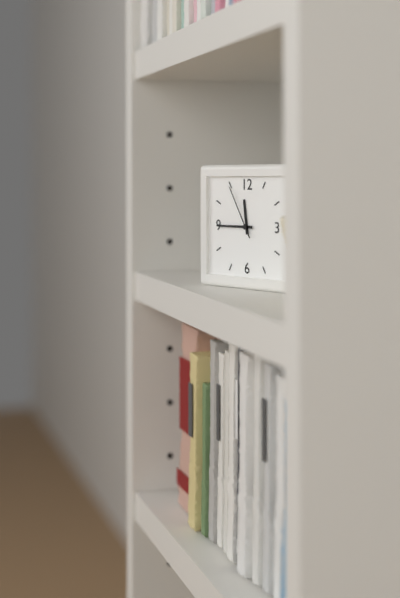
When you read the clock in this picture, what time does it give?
11:45:55
